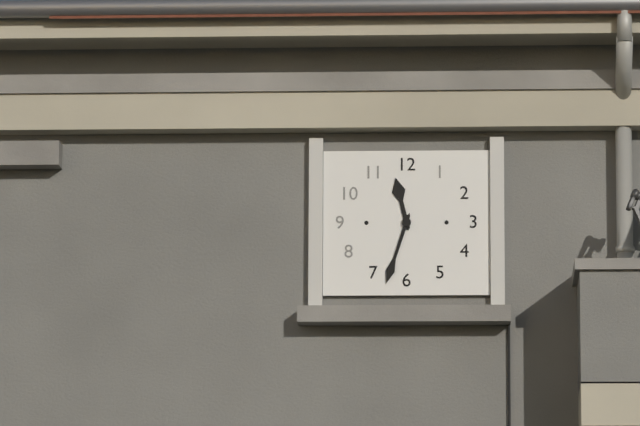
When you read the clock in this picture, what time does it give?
11:33
